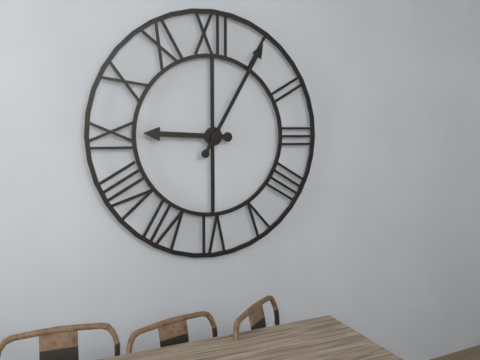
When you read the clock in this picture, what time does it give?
9:05
